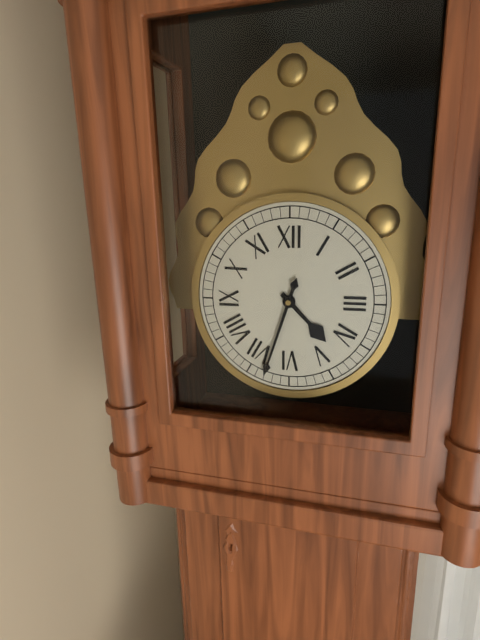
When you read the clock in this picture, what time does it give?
4:33
